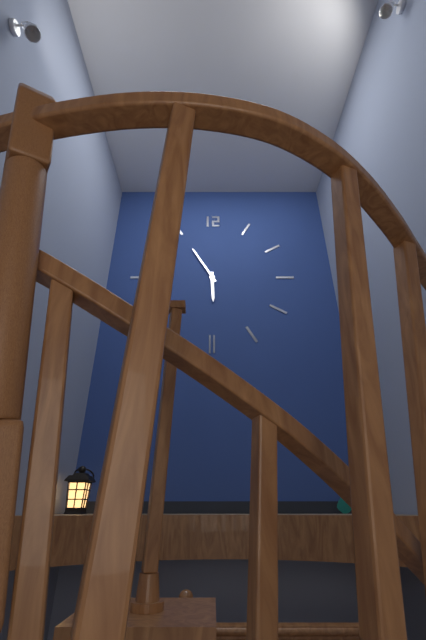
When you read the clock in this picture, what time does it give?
5:55
